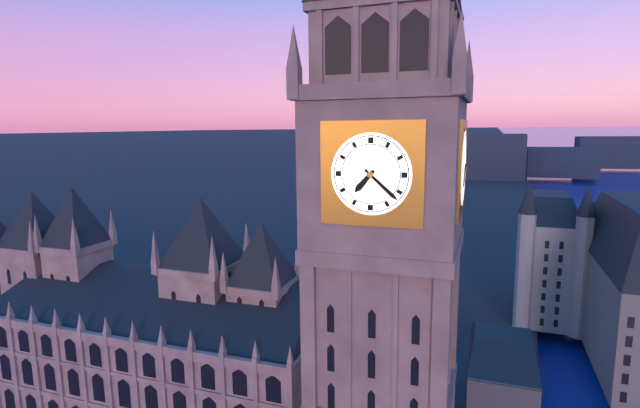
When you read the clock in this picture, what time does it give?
7:22
